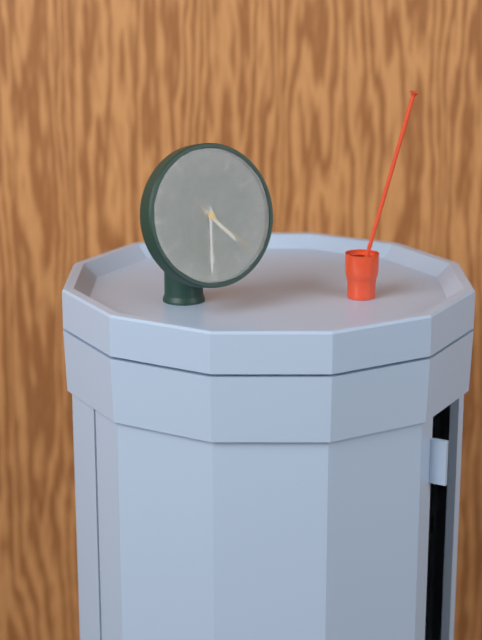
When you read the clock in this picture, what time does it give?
4:31:22
